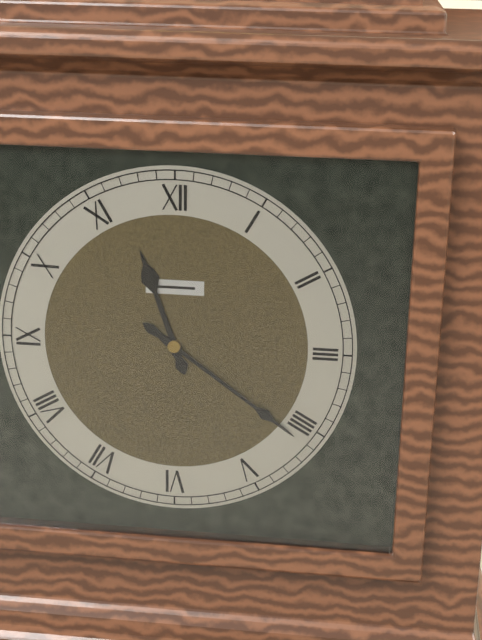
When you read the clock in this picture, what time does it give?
11:21
